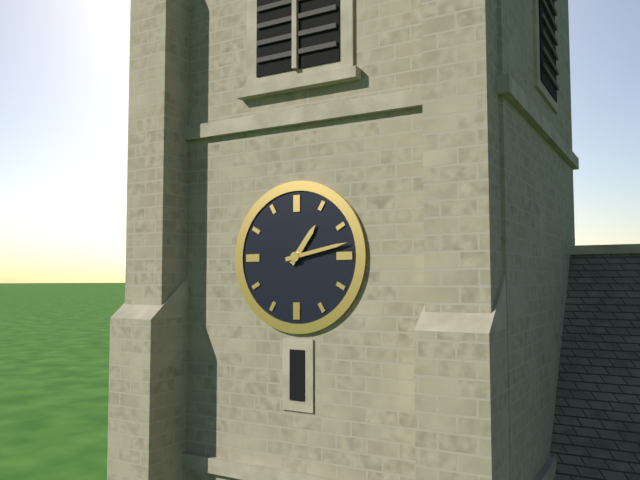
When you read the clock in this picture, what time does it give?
1:13
